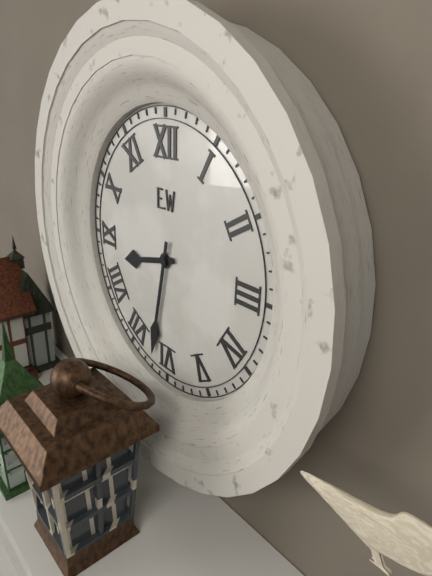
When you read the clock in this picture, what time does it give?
8:32
